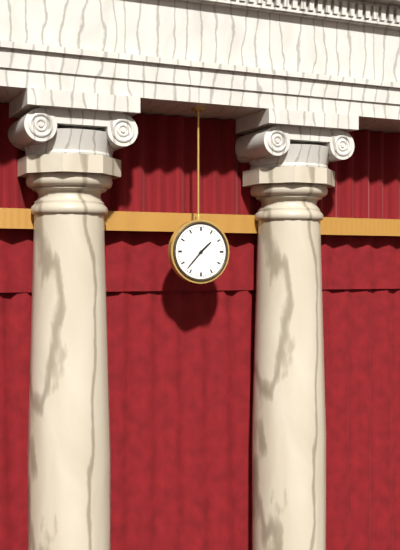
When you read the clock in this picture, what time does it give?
1:37
